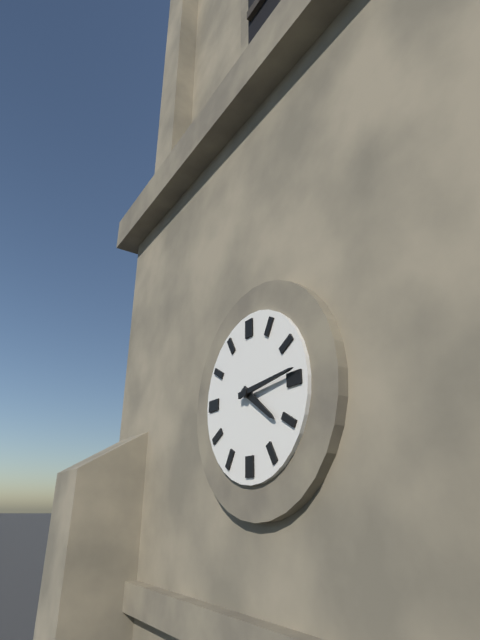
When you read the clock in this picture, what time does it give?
4:14
